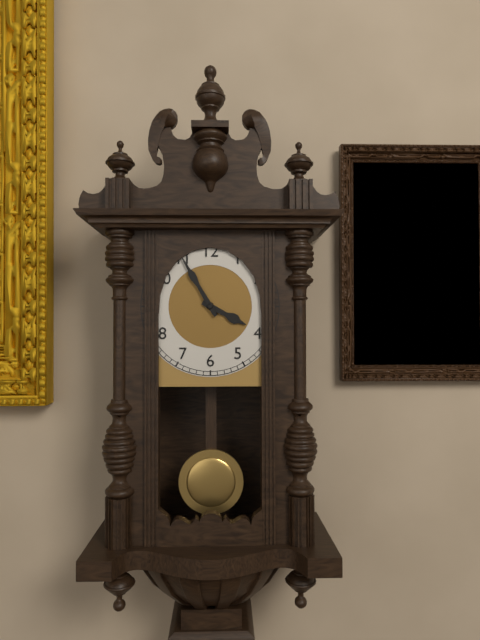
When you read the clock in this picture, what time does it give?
3:55
